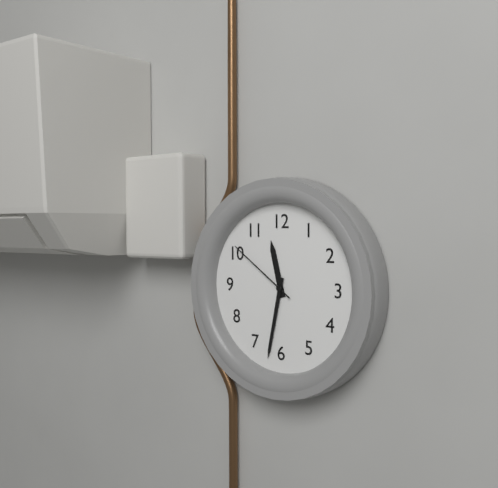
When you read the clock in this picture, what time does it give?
11:32:51
